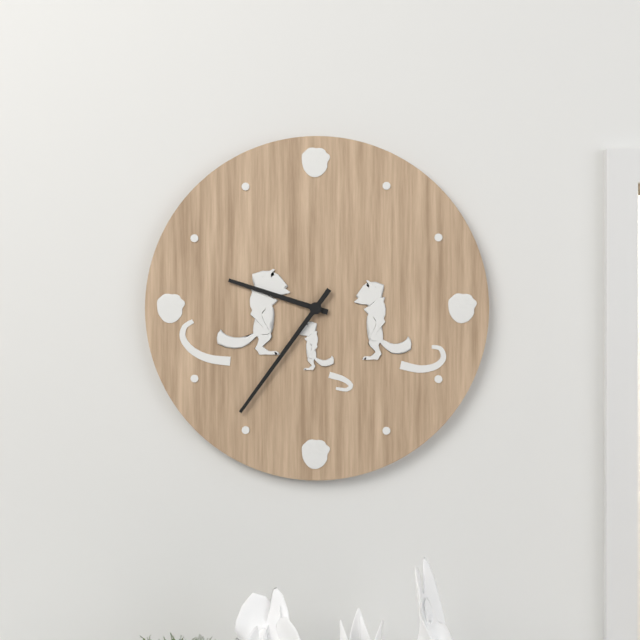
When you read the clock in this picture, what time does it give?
9:36
